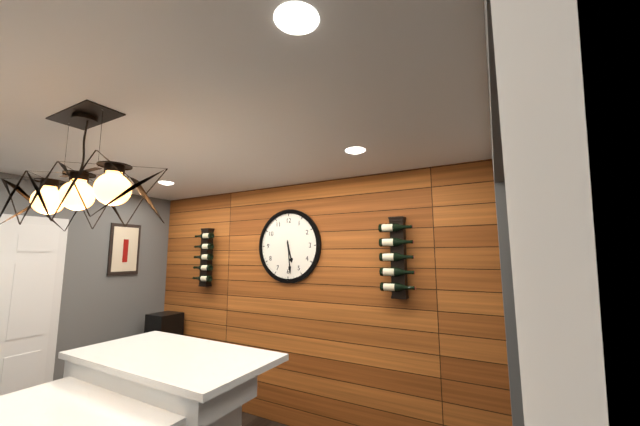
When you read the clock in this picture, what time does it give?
5:29
